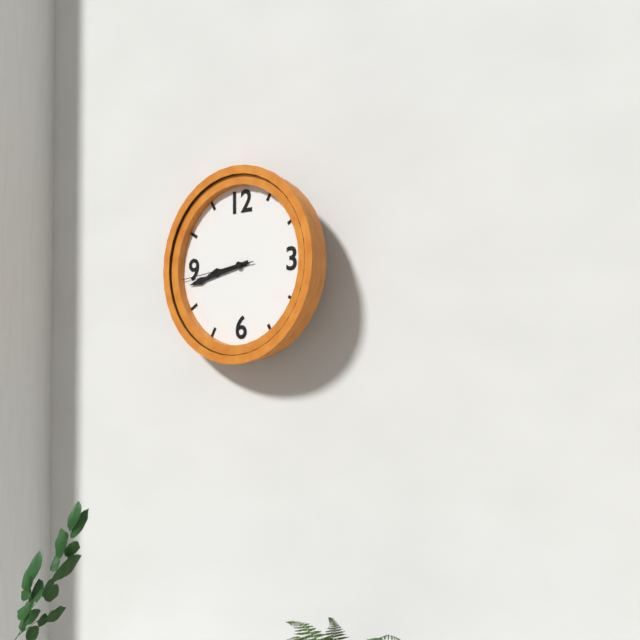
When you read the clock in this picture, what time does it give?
8:43:44
